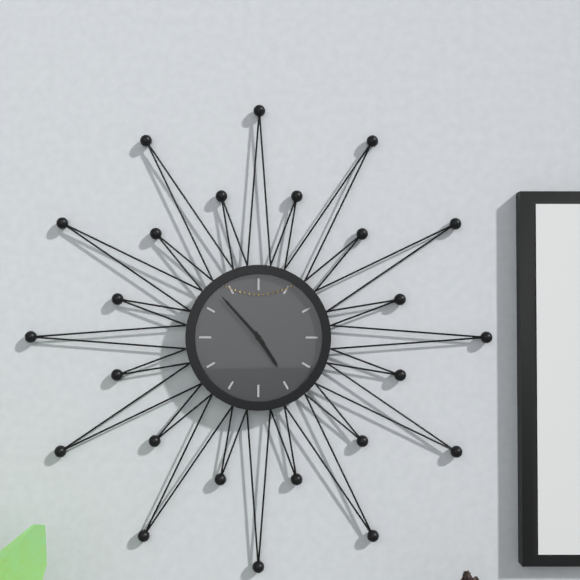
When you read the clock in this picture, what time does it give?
4:53
